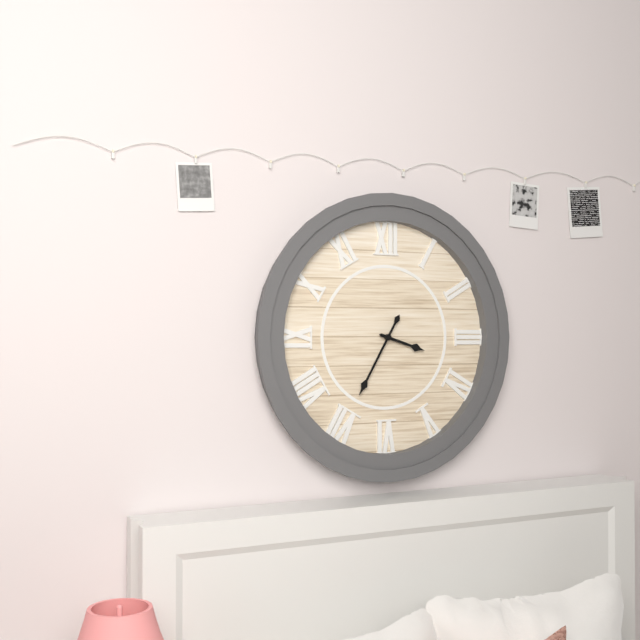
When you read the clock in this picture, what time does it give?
3:35
